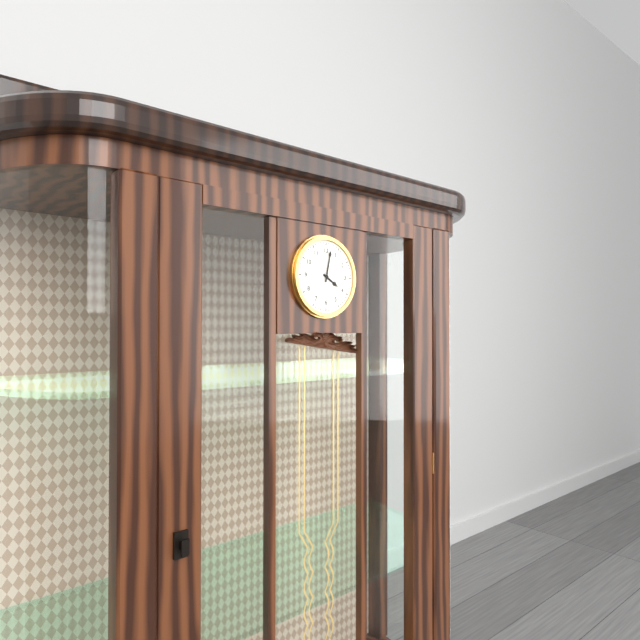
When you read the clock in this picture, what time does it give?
4:02
